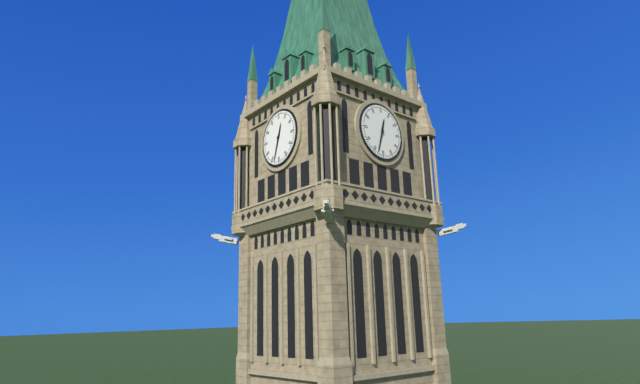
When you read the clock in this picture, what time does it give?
12:33
